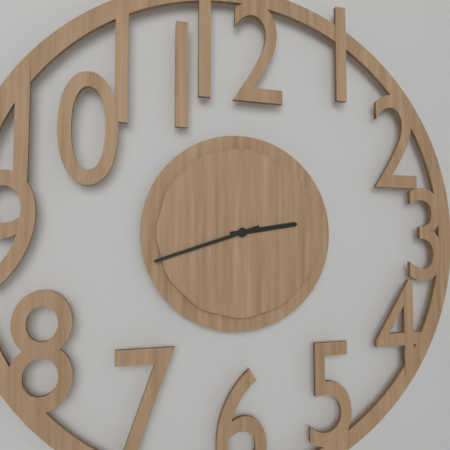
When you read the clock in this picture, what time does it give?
2:42
